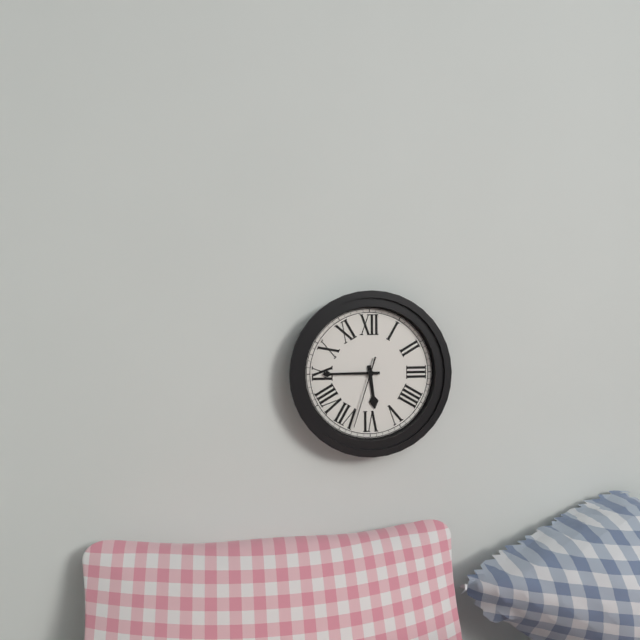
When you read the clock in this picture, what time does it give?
5:45:33
